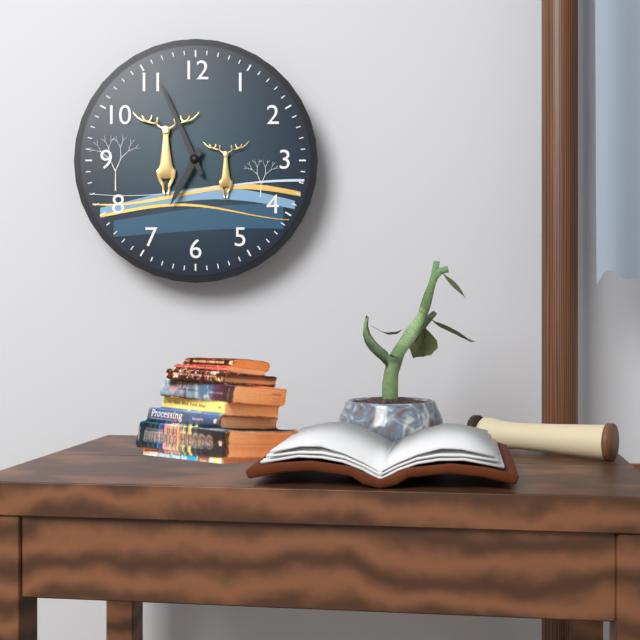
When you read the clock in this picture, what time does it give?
6:56
